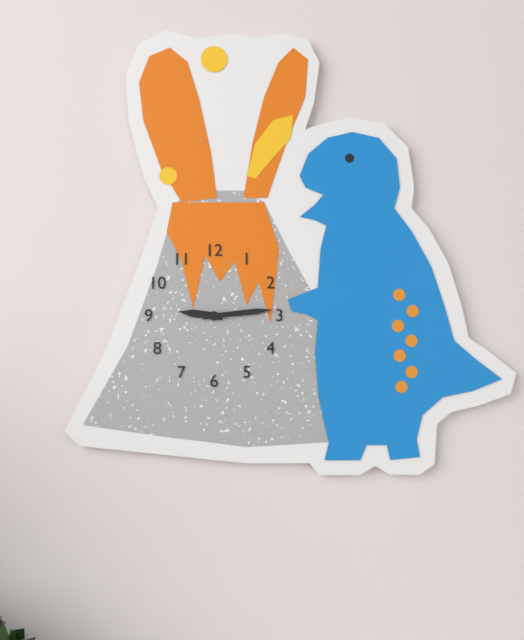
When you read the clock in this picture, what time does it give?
9:14
